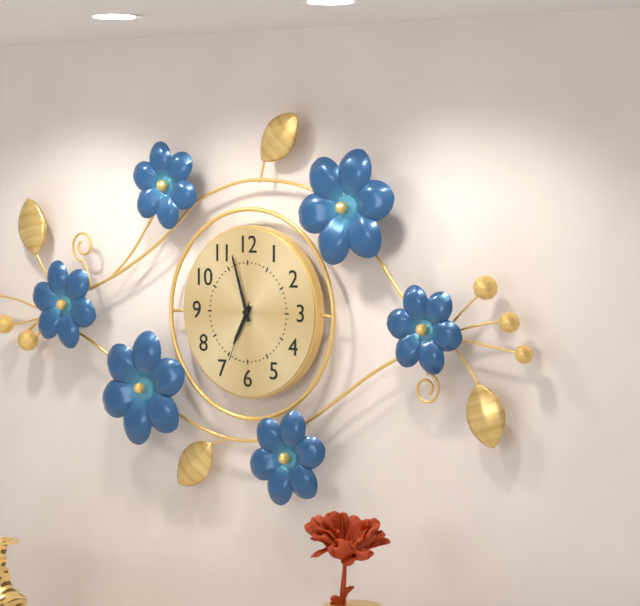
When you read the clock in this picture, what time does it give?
6:57:34
